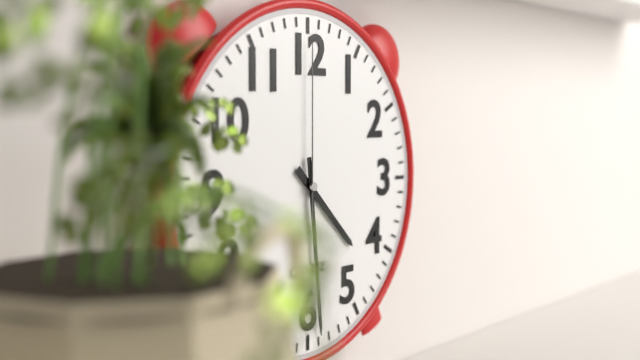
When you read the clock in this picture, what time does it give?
4:29:00
